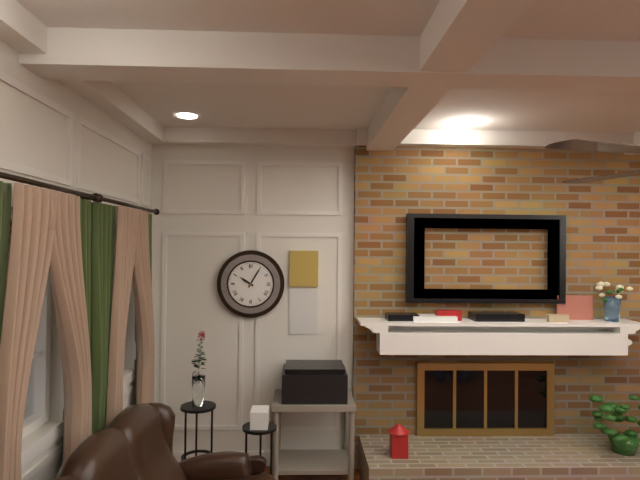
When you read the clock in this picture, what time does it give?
10:05
